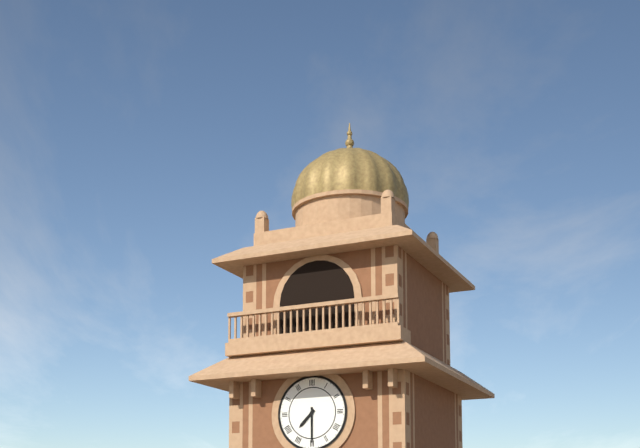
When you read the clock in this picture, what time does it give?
7:30
